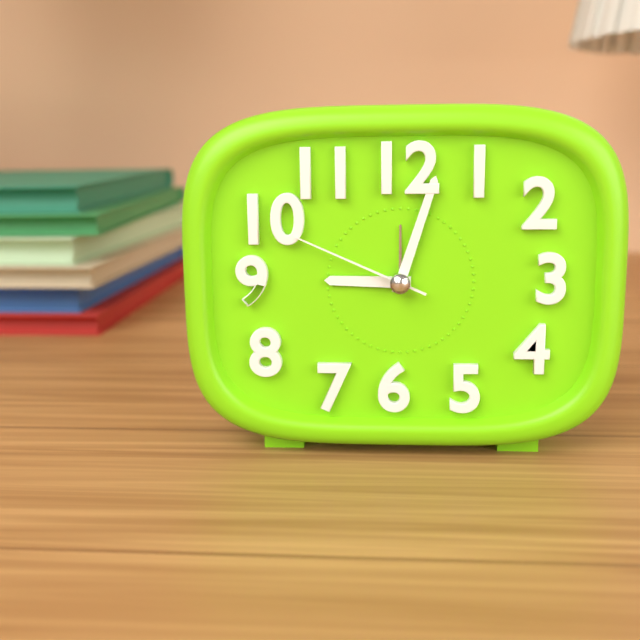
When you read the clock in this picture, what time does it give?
9:03:49
